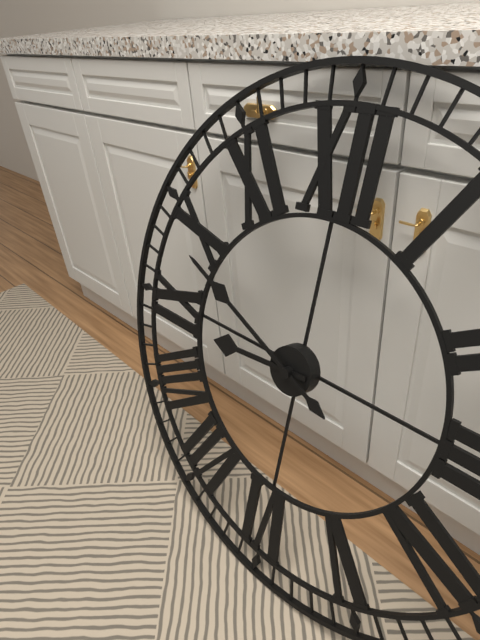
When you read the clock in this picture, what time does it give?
8:49
